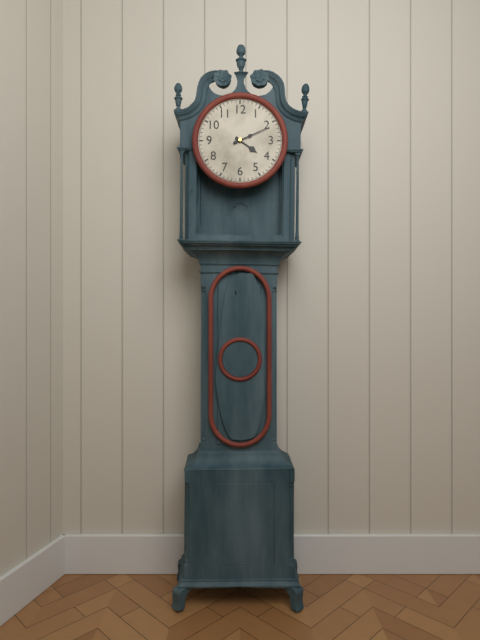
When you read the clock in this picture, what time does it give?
4:11
